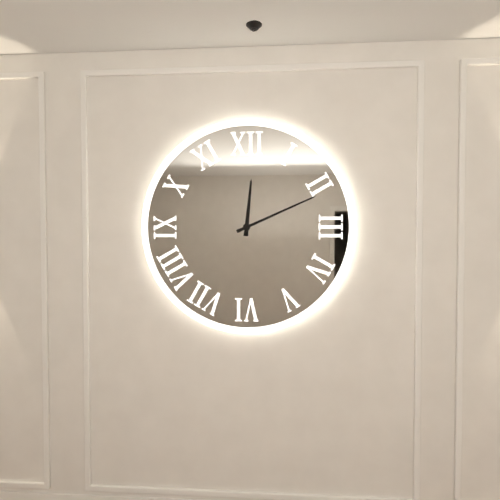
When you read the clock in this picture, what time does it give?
12:11
